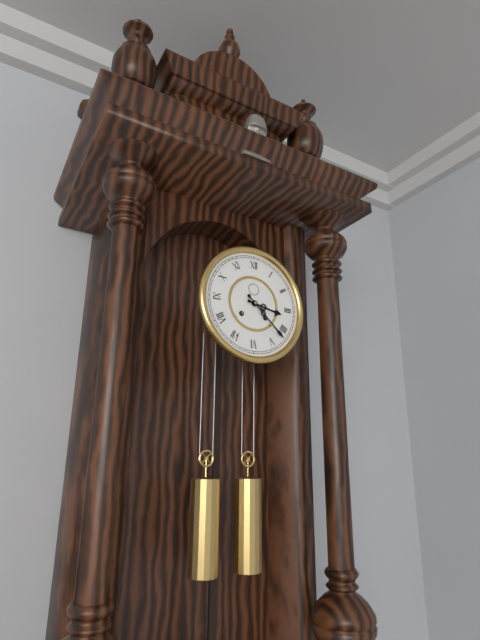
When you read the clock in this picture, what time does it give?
3:22
